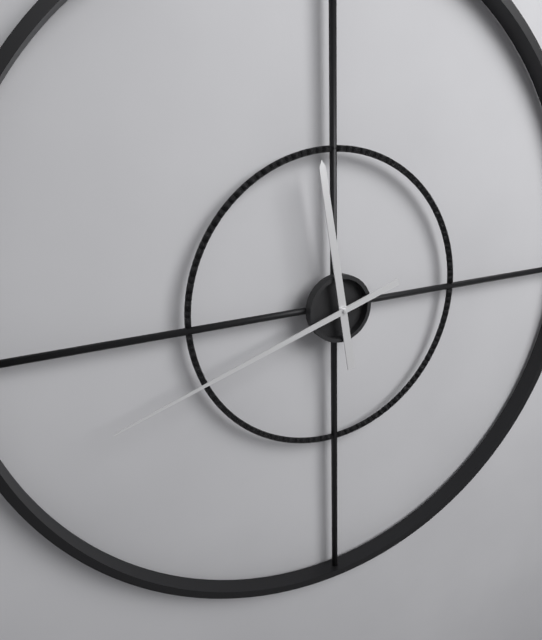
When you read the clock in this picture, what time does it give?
11:42
